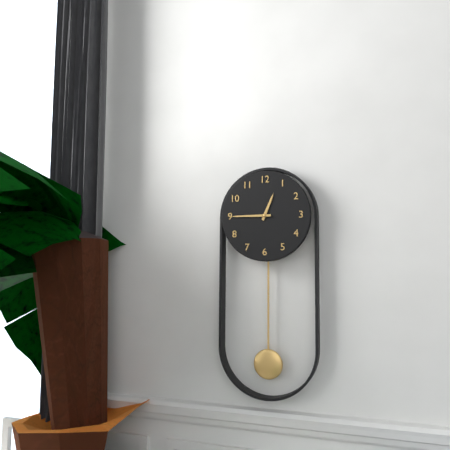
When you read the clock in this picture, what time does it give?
12:45
